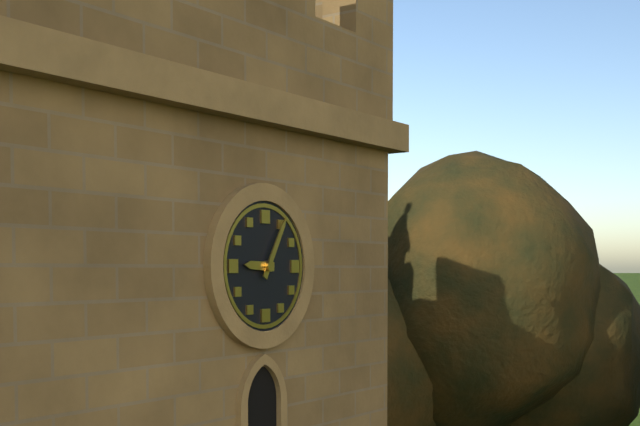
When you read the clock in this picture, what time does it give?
9:05
